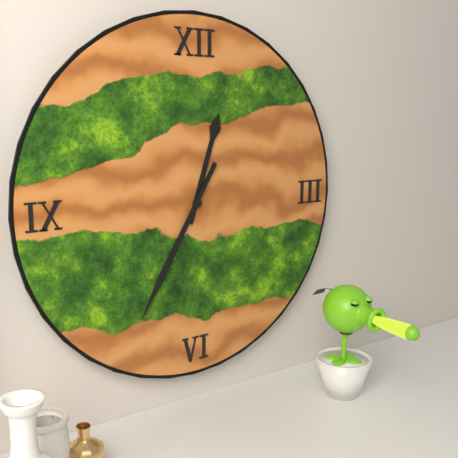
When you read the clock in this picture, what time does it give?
12:35
